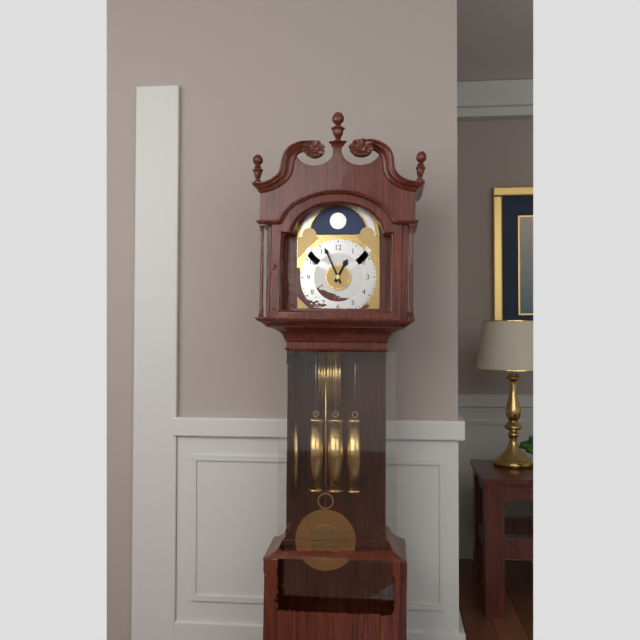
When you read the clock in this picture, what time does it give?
12:56
